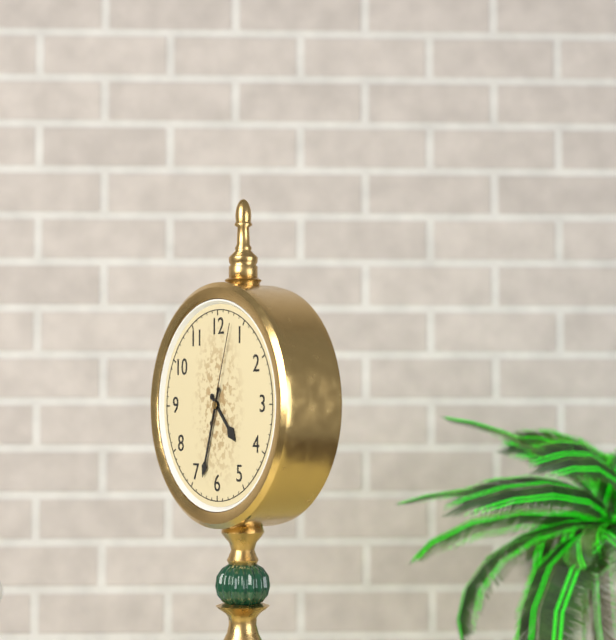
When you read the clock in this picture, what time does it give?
4:33:03
